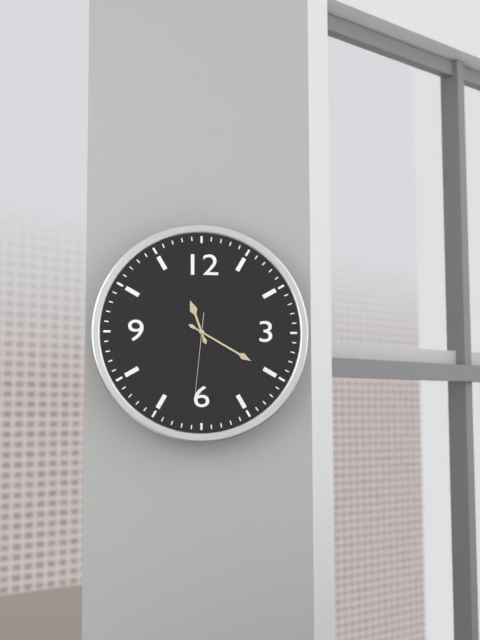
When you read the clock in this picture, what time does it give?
11:20:31
